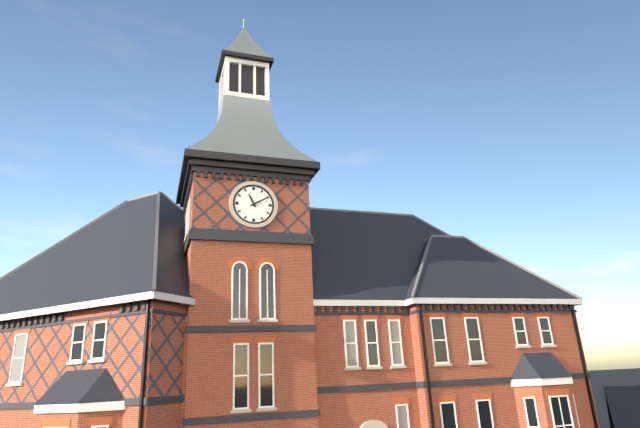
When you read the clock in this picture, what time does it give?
11:10
